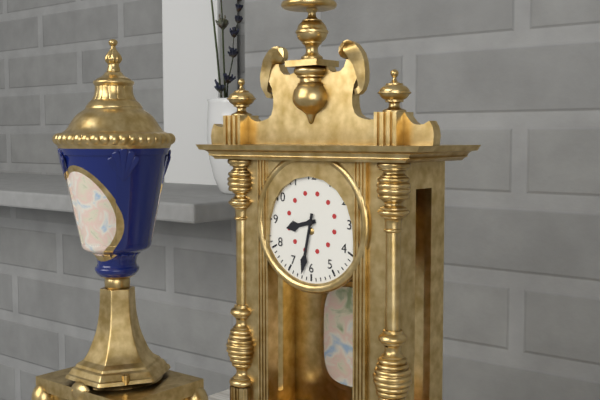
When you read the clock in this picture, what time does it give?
8:32
